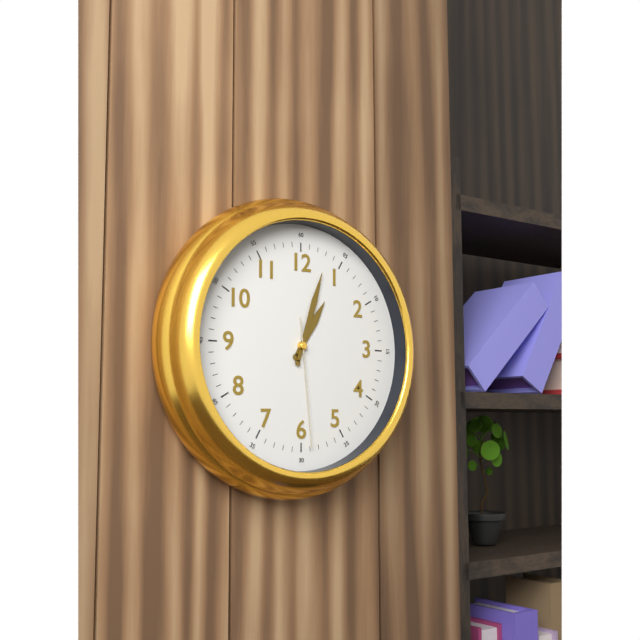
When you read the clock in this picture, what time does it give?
1:03:29
